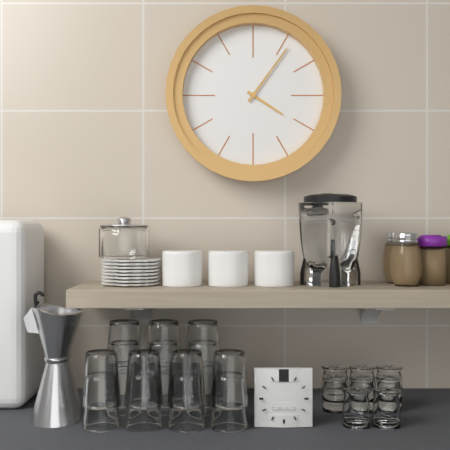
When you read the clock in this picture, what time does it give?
4:06
